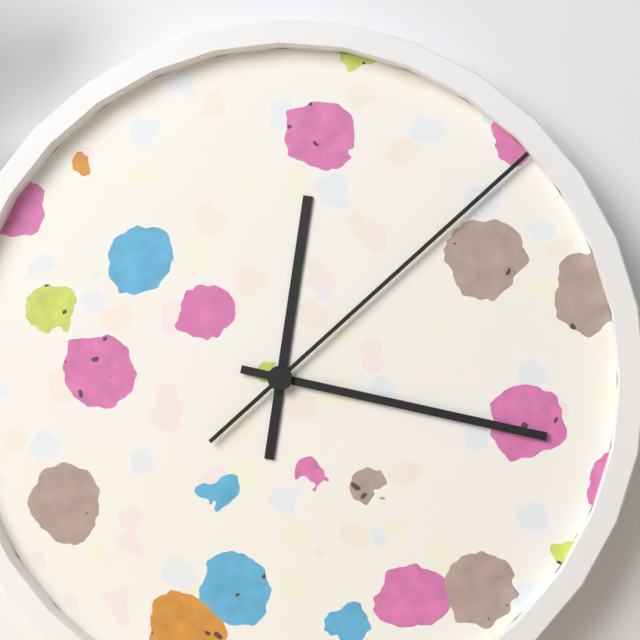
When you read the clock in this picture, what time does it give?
12:17:08
